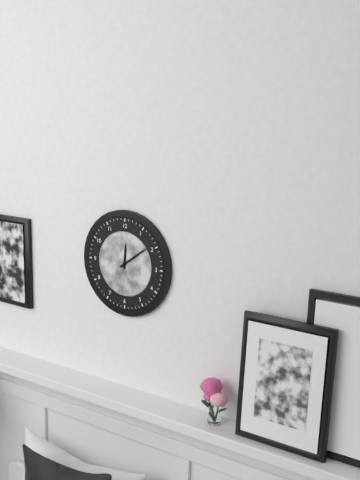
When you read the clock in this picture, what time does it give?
12:09
